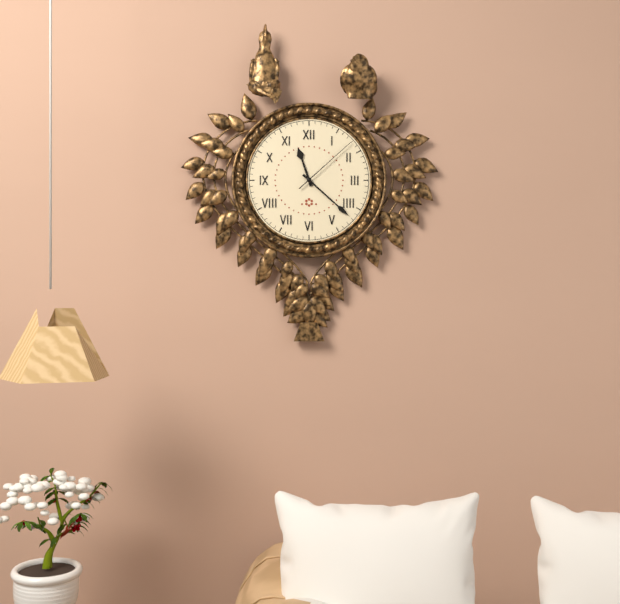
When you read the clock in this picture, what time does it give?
11:22:08
